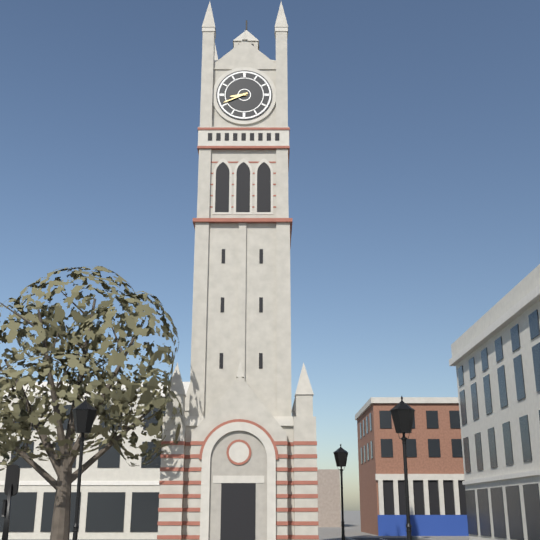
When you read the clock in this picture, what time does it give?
8:41
